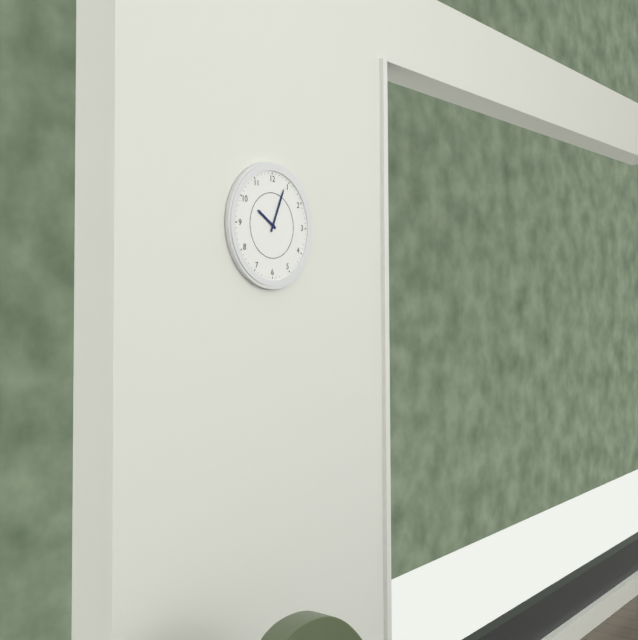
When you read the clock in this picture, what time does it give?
10:04
